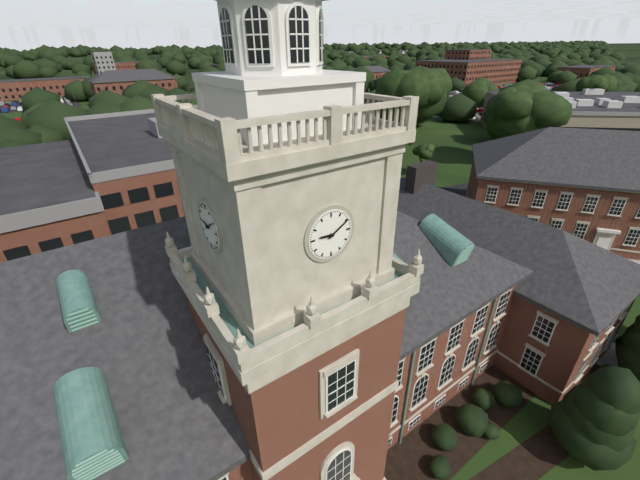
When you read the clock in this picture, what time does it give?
9:10
